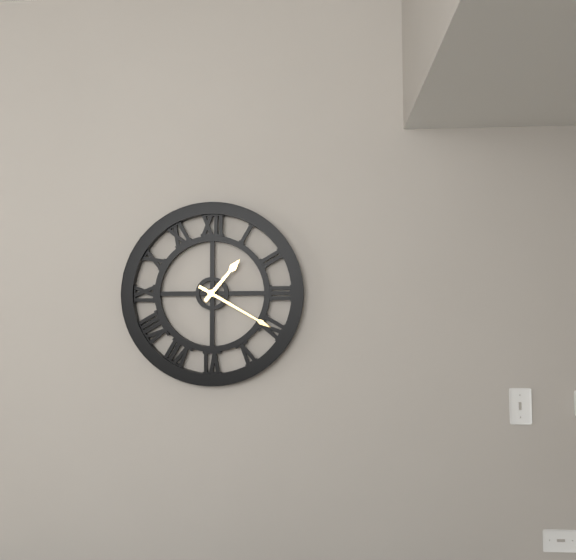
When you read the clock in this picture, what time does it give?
1:20
